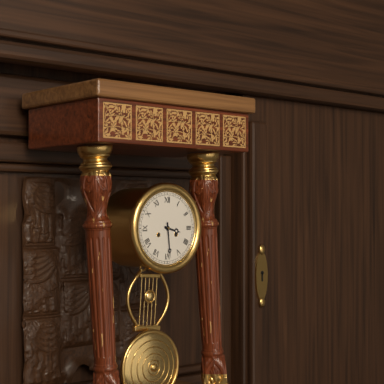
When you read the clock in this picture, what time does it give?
3:29
